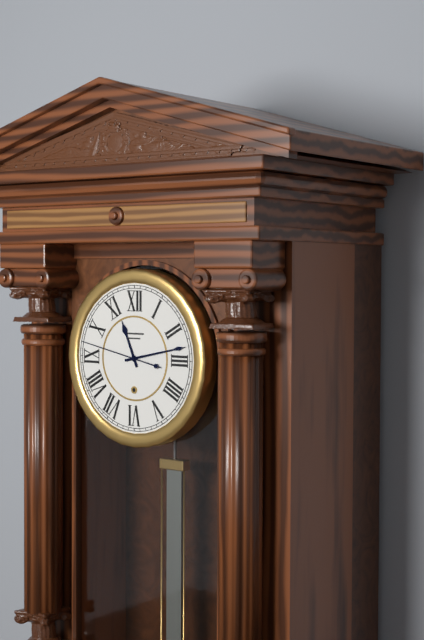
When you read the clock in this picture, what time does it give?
11:13:47
